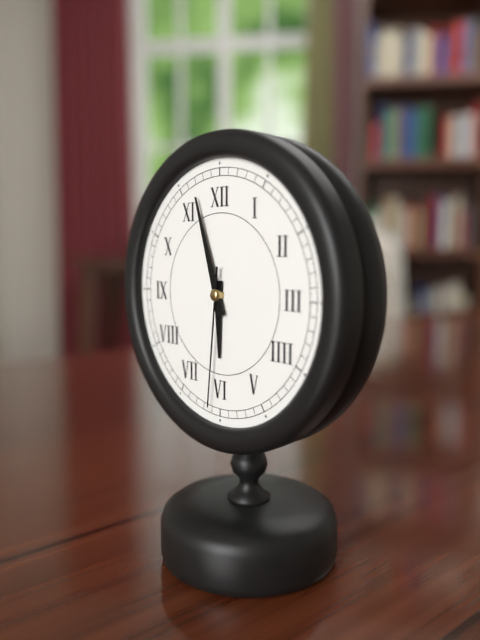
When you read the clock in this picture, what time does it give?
5:57:31
